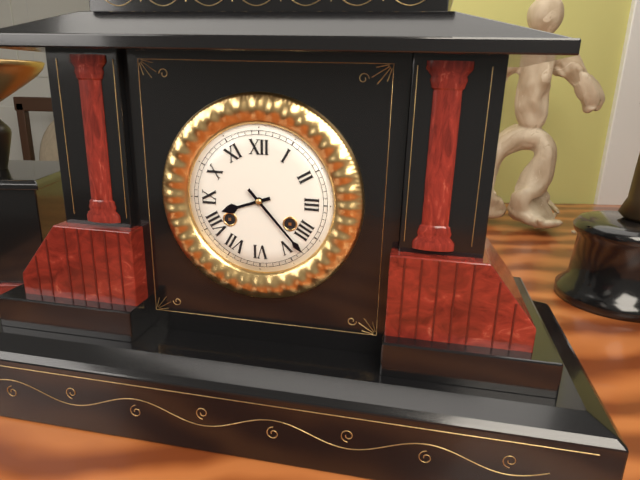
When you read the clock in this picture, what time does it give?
8:23
